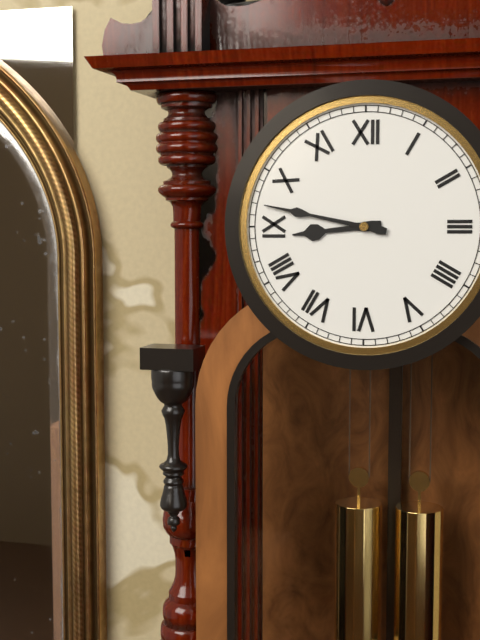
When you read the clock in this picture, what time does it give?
8:47
